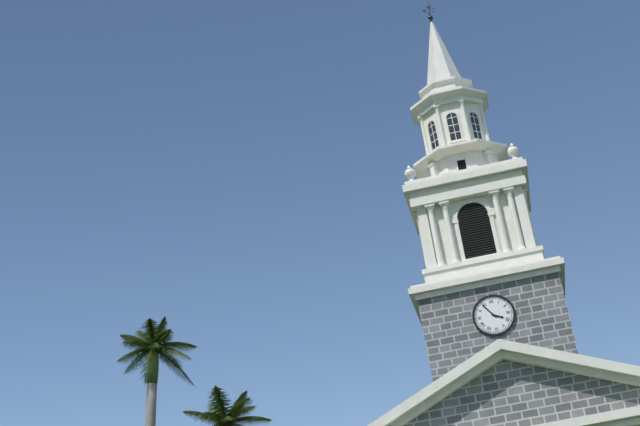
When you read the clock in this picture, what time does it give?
3:54
